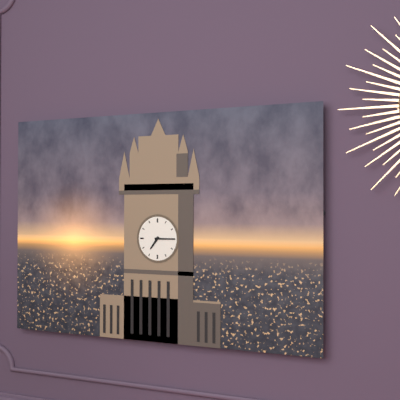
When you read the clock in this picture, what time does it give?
7:15
